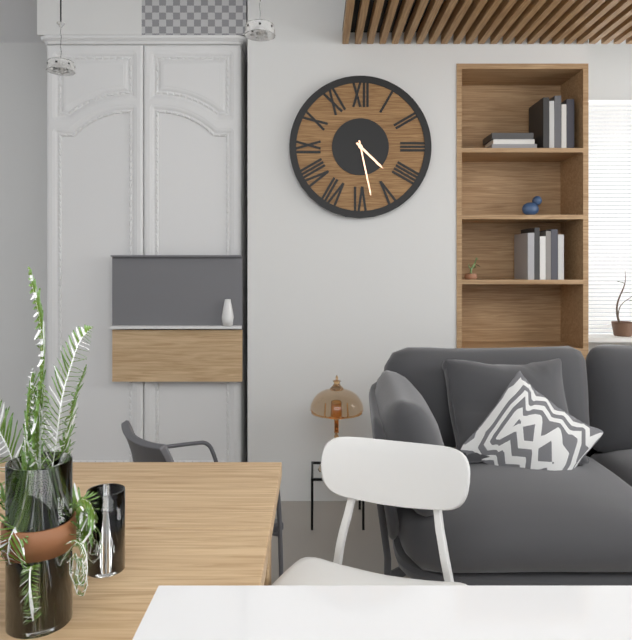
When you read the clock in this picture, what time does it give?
4:28
